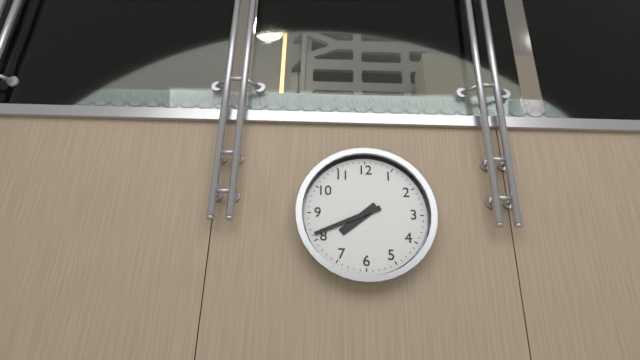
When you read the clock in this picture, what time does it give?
7:41
